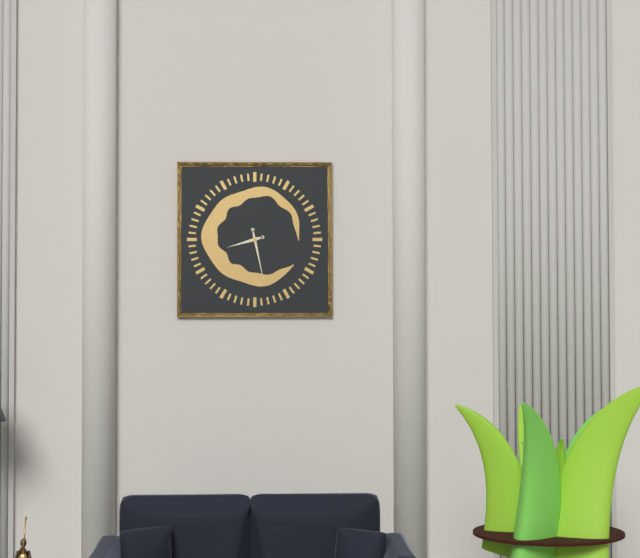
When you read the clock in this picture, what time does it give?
8:28
